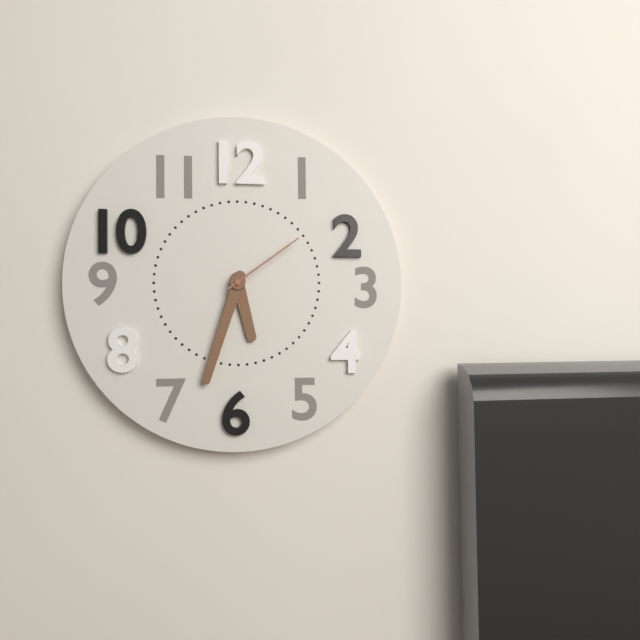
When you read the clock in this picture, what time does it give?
5:33:09
